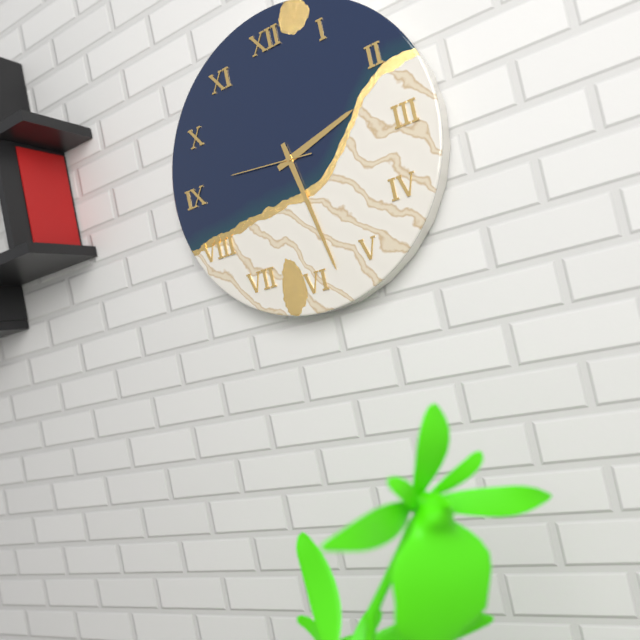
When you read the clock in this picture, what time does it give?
2:28:46
